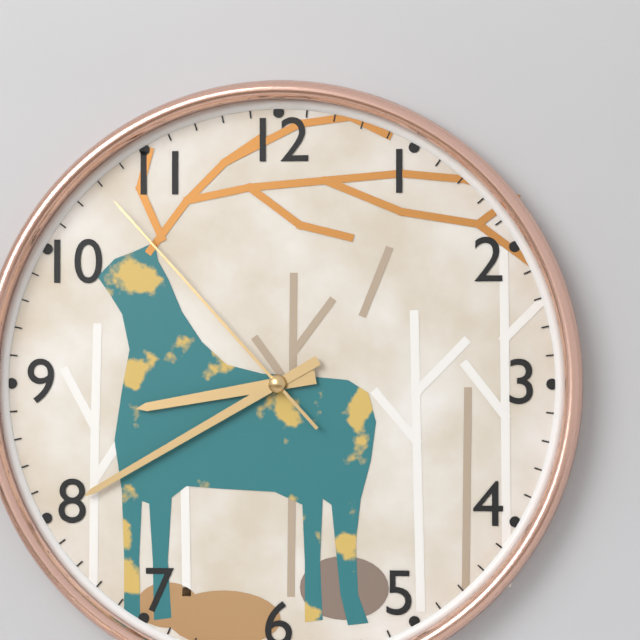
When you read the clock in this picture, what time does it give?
8:40:53
